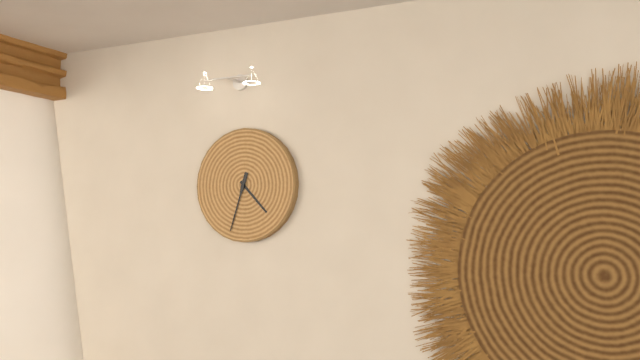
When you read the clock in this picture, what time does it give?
4:33
